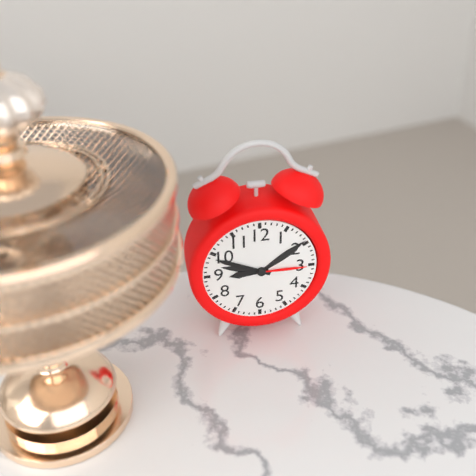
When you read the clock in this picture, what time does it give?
8:49
